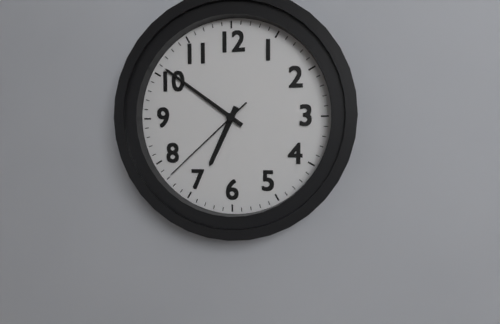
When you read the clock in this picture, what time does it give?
6:51:38
